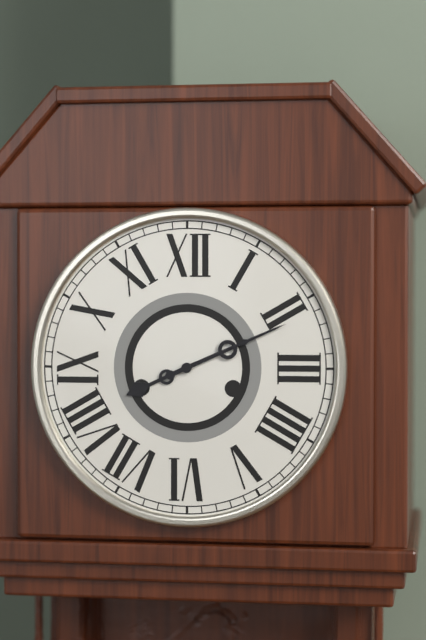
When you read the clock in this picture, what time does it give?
8:11
